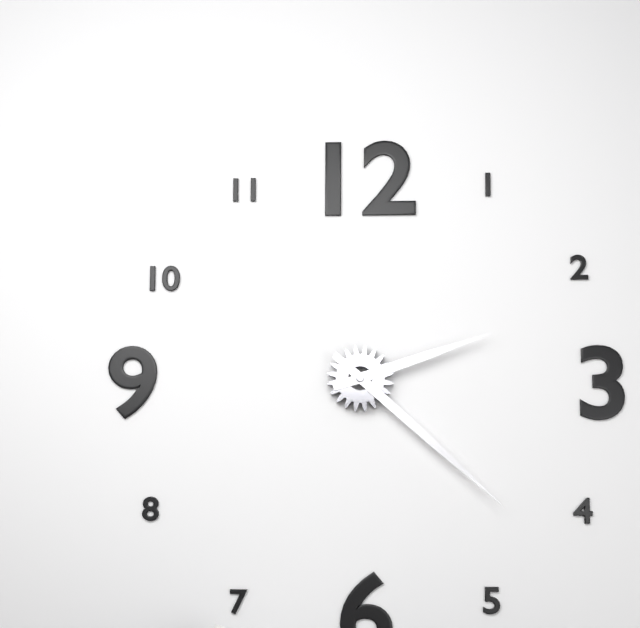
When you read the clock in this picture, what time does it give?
2:22
